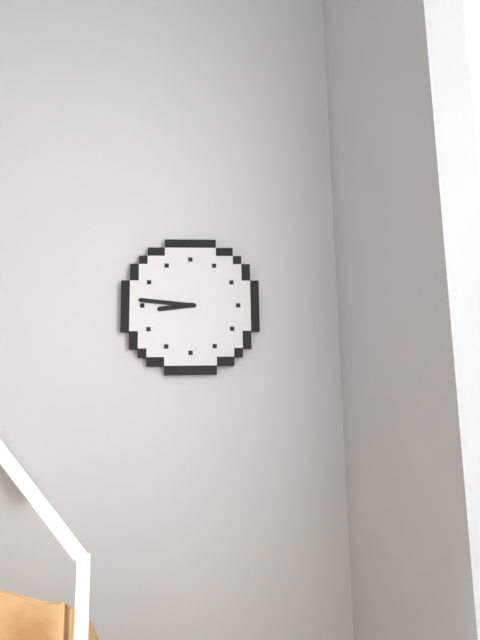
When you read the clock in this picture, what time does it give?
8:46
